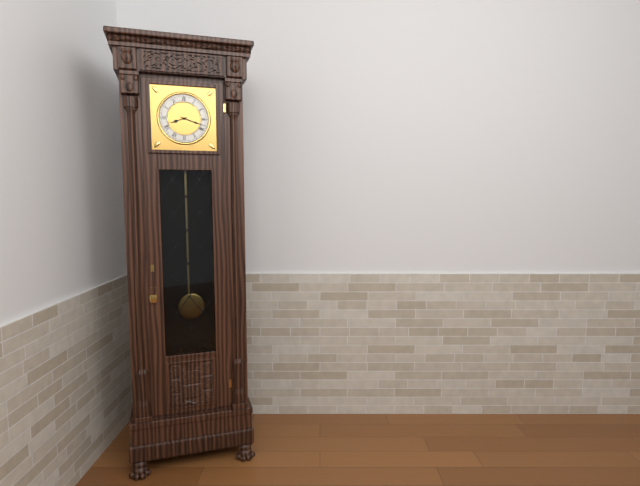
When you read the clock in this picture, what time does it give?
8:18
